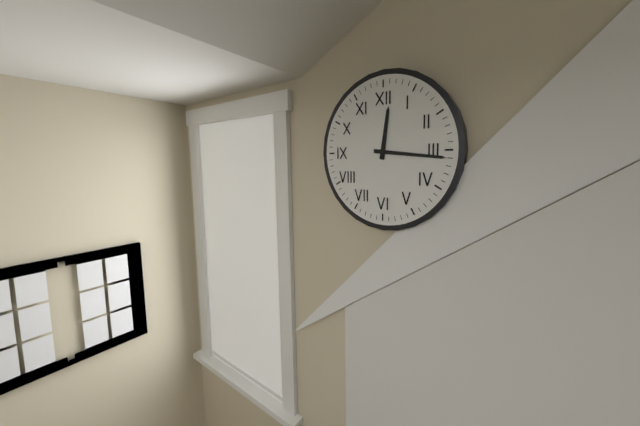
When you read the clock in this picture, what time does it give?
12:16
